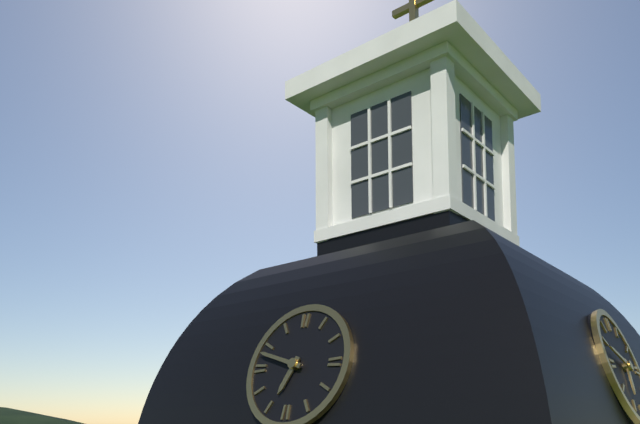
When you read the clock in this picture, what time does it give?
6:48
